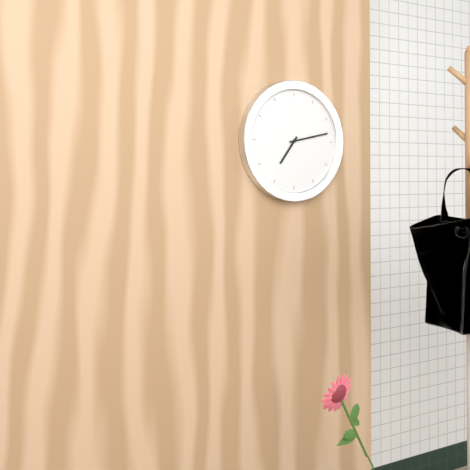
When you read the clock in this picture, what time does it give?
7:13
